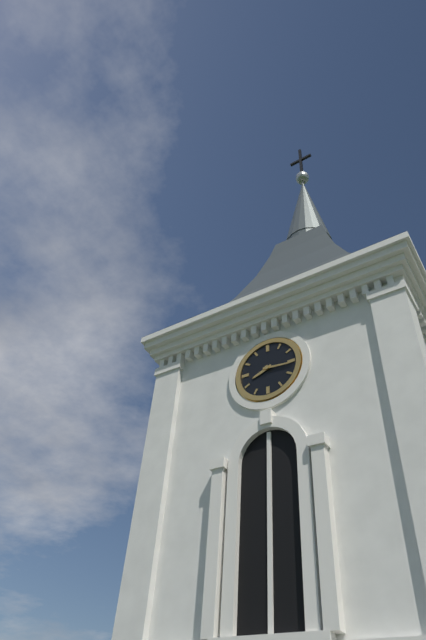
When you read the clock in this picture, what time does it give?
8:16
